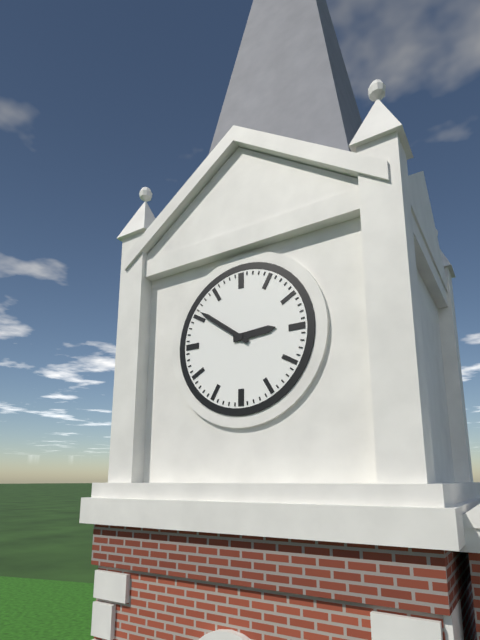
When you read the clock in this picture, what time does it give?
2:51
